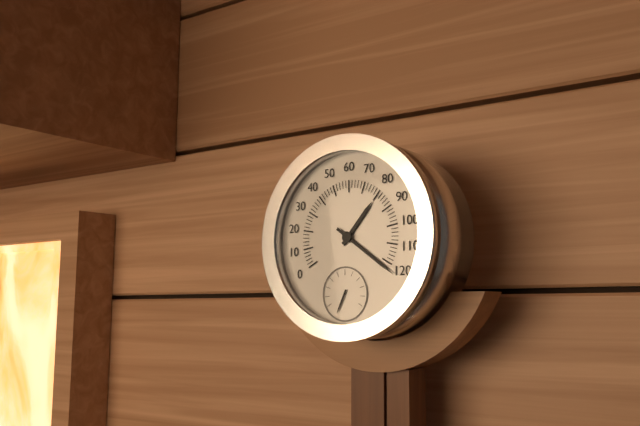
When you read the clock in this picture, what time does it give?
1:21
